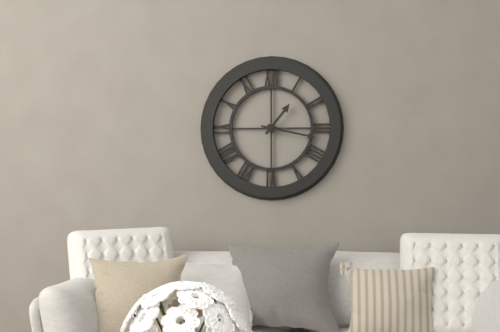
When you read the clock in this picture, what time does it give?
1:17
